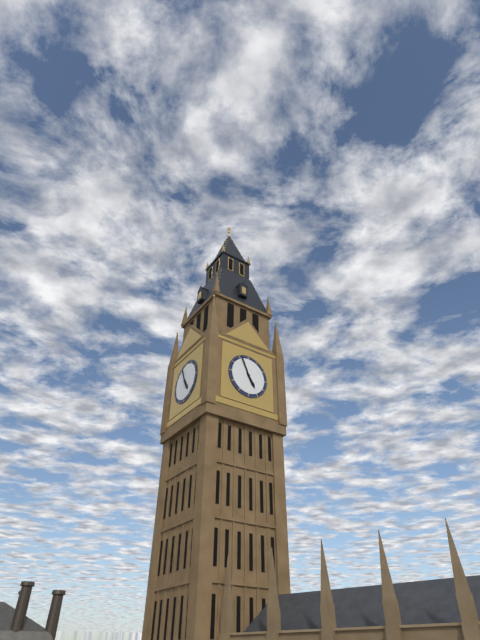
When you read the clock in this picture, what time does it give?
4:56
